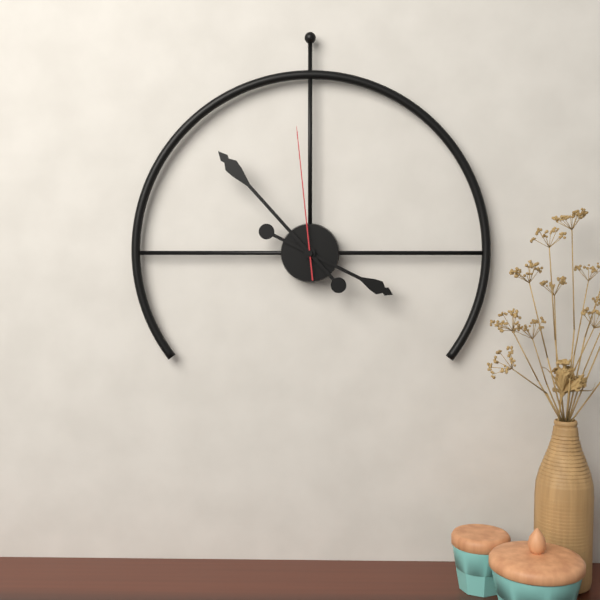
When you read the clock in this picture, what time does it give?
3:53:59
